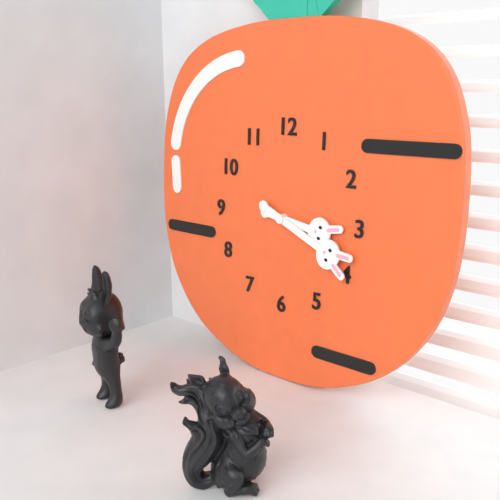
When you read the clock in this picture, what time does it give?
3:19
